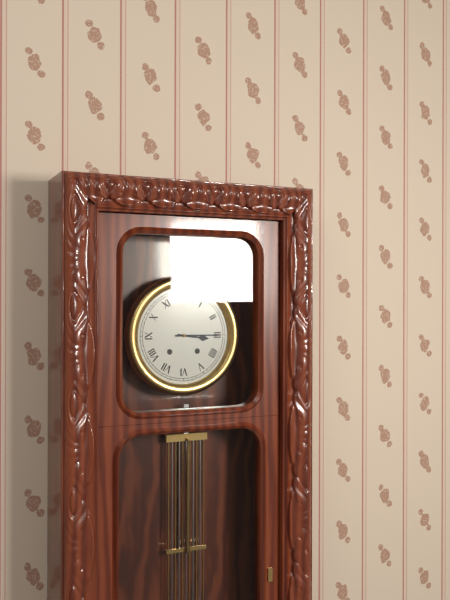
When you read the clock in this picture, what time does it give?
3:15
